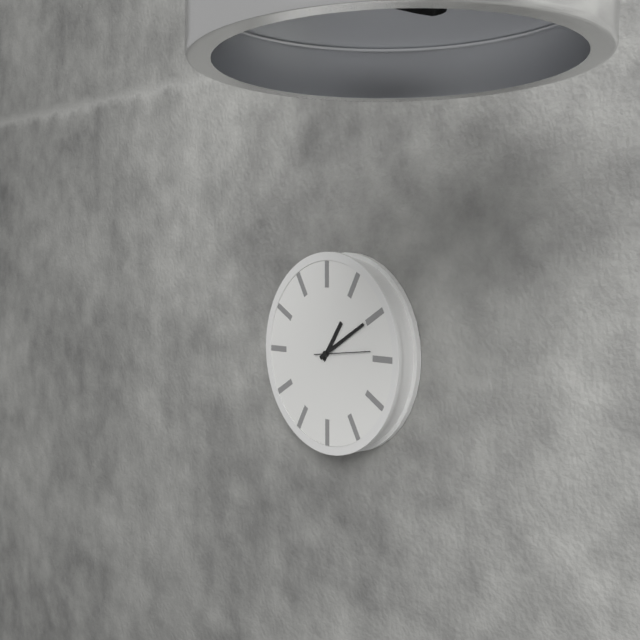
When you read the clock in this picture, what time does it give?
1:10
